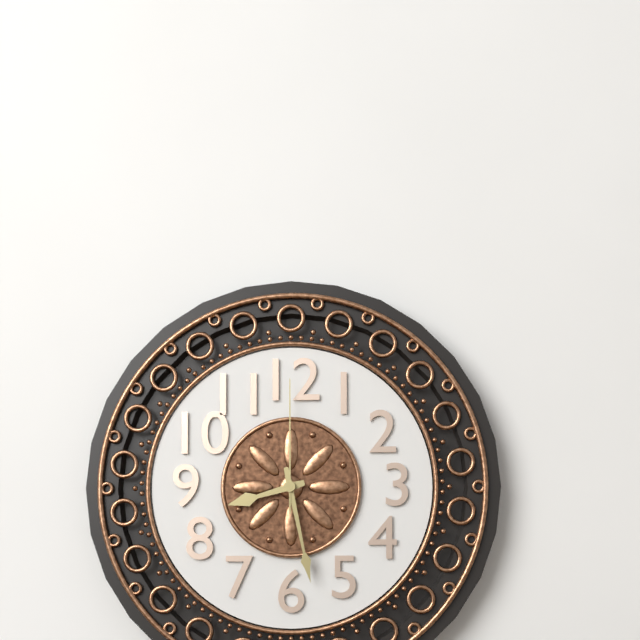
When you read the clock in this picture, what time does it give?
8:28:00
